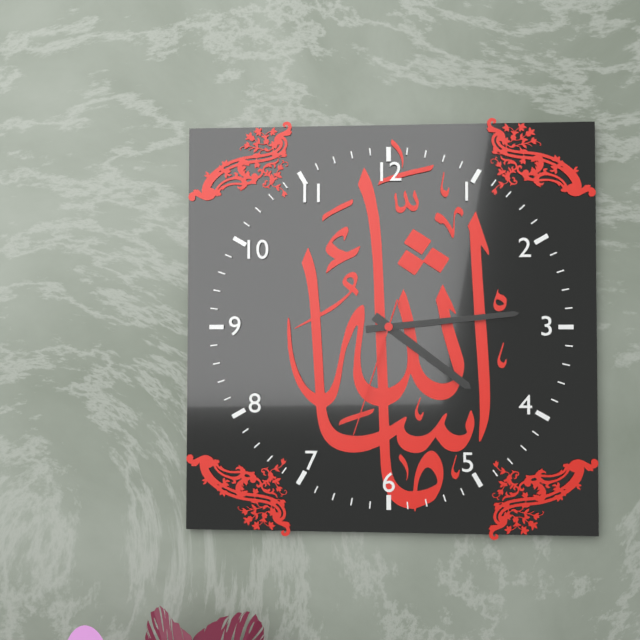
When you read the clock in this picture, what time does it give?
4:14:33
